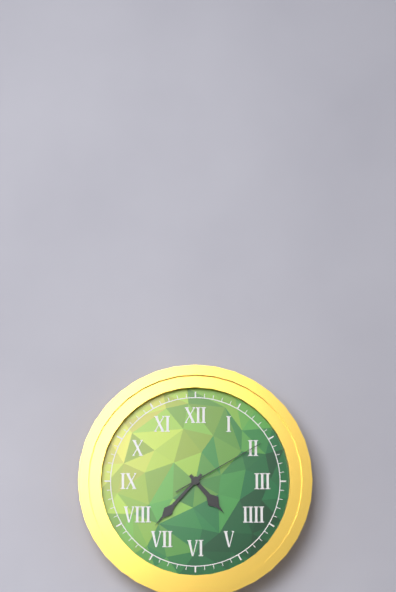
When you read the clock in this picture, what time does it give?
4:37:10
